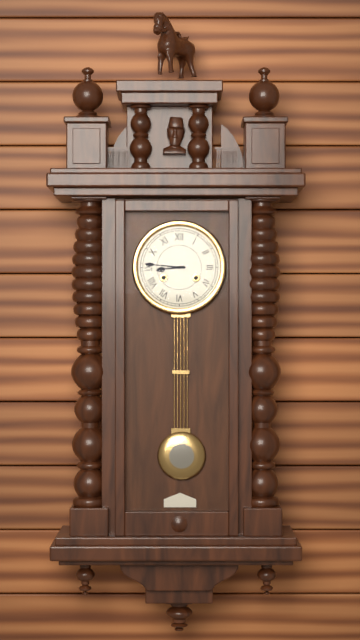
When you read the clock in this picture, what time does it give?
8:46
